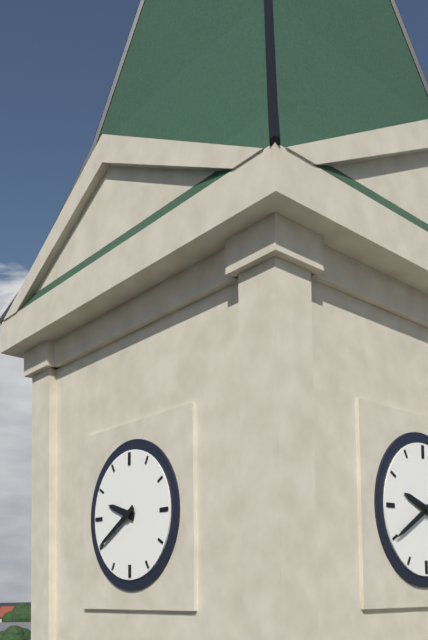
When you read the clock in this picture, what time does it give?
9:40
